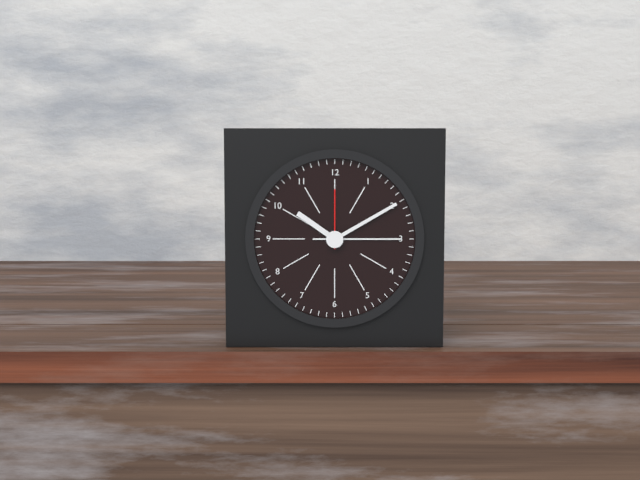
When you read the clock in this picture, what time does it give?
10:10:00
